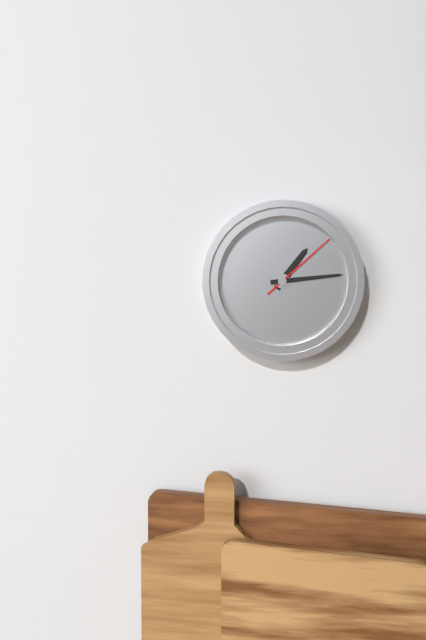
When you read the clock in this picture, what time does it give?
1:14:08
